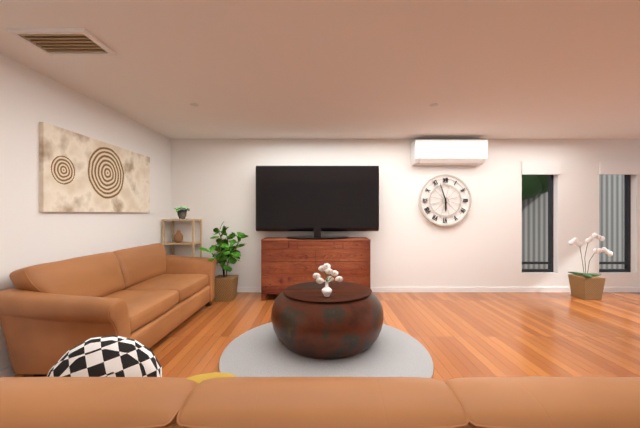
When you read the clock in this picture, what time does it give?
5:57
